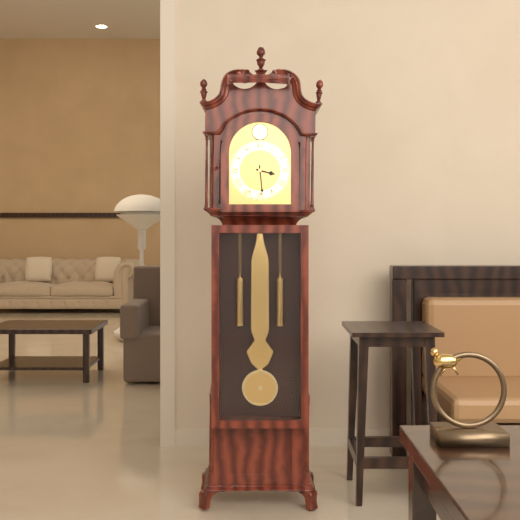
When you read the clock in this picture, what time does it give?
3:29
